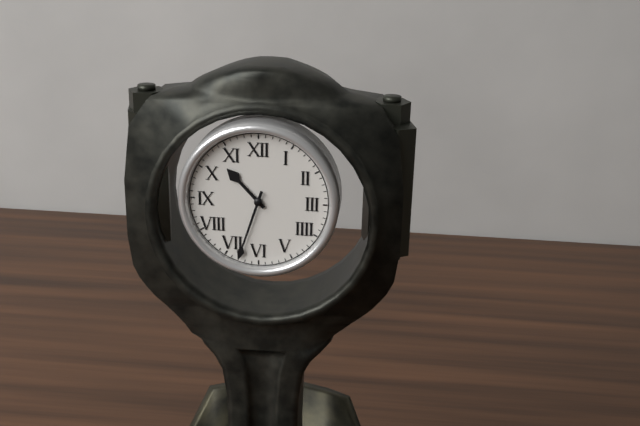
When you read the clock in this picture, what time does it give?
10:33
